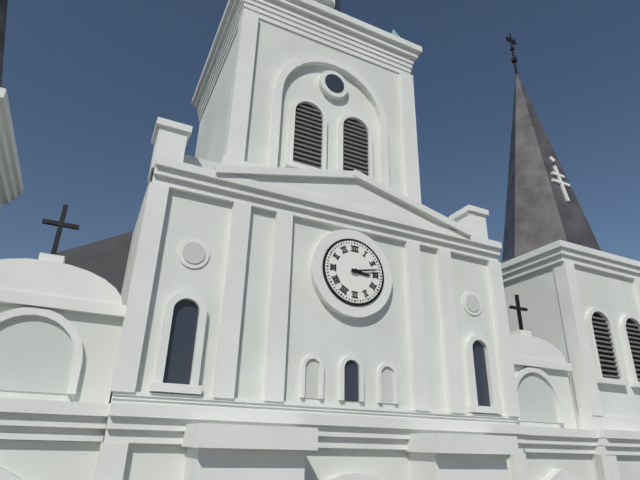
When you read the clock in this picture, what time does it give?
3:13
